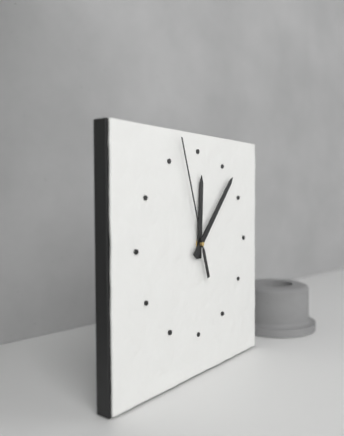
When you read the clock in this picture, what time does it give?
12:07:57
